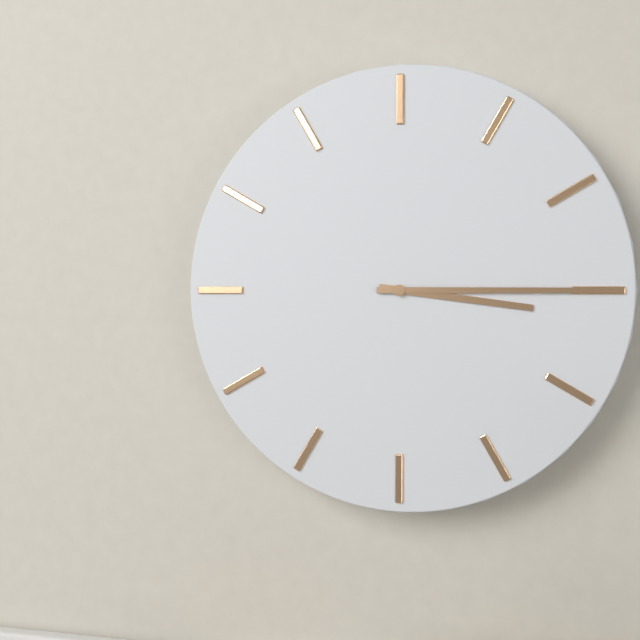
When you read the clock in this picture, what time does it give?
3:15
